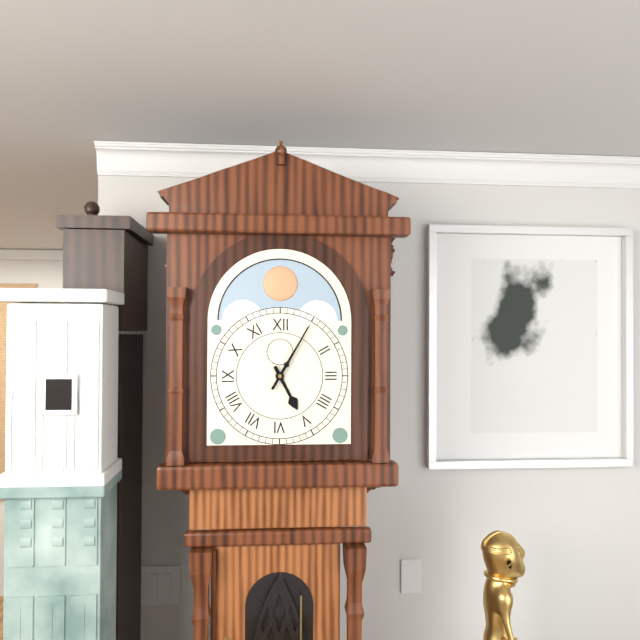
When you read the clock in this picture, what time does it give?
5:05
